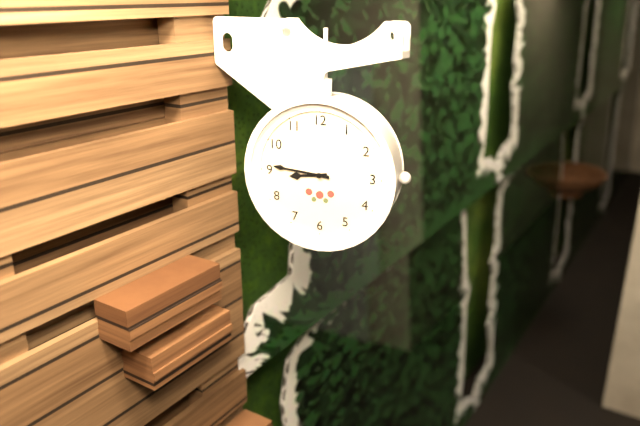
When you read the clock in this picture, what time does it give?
8:46
